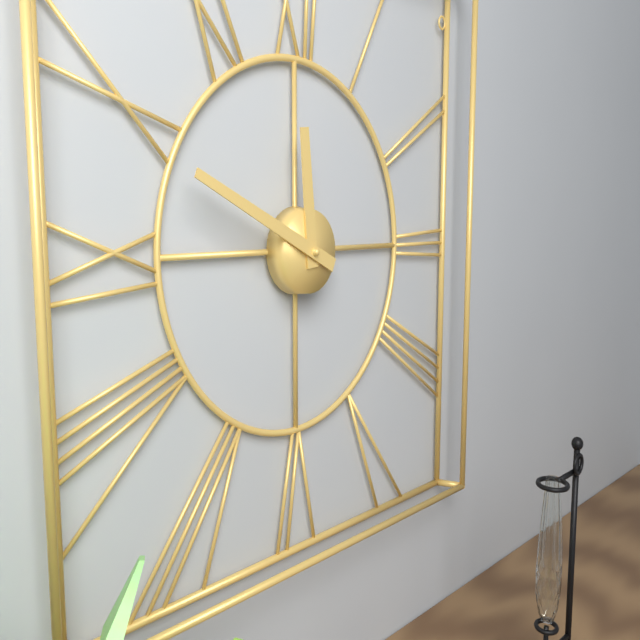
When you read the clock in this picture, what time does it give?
11:49
